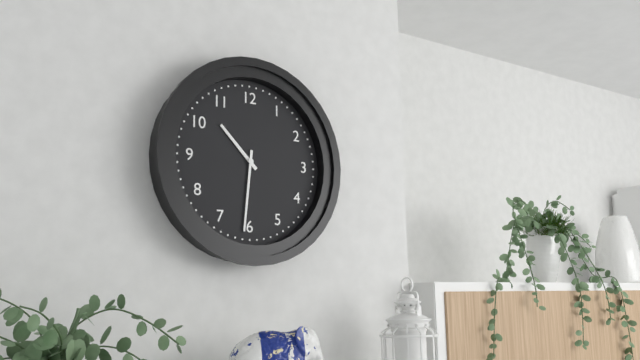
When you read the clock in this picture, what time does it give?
10:31
